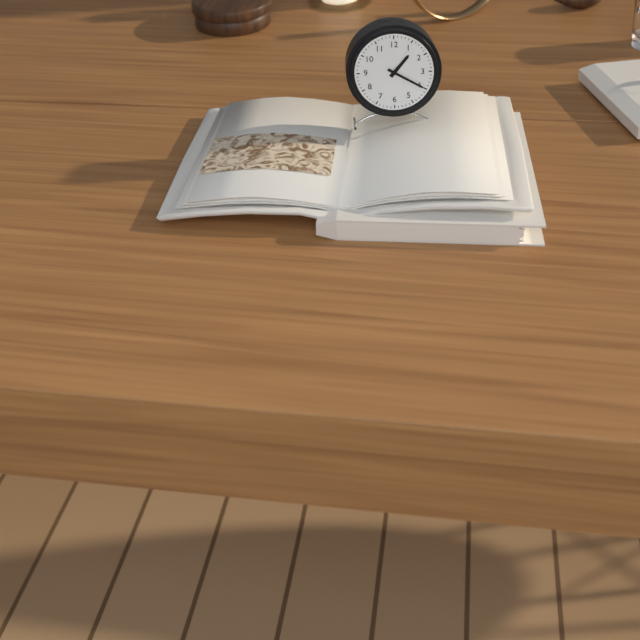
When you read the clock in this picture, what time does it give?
1:20
